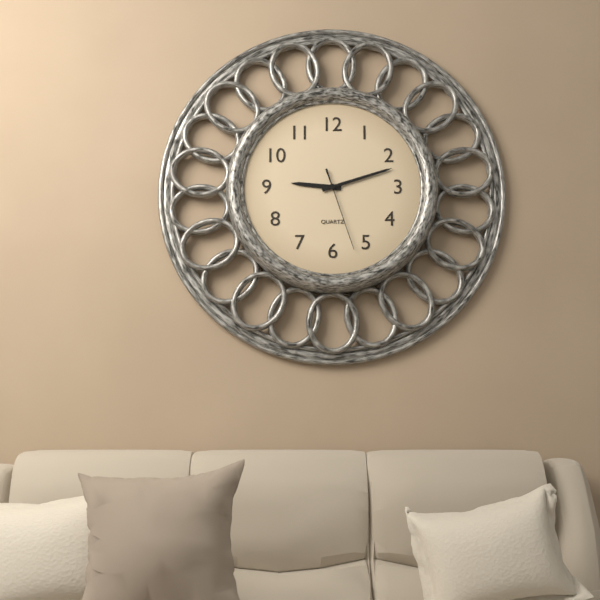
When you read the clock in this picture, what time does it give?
9:12:27
